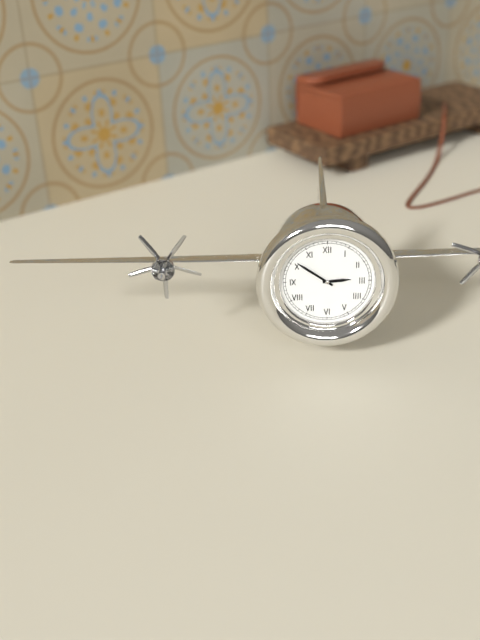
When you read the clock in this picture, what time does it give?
2:51
